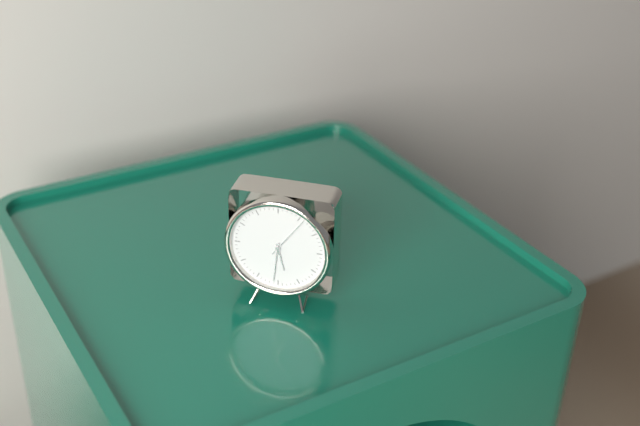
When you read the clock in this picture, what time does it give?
5:31
